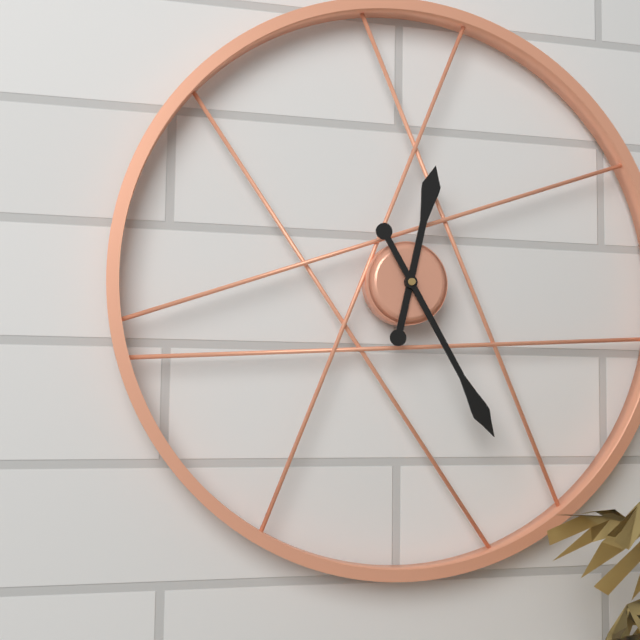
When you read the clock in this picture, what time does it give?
12:25
